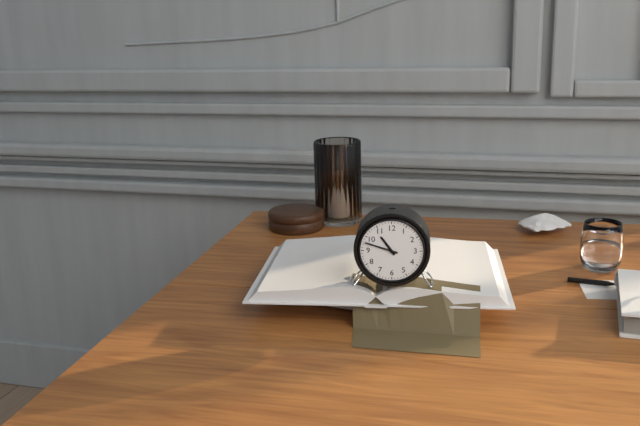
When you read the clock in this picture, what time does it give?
10:48
